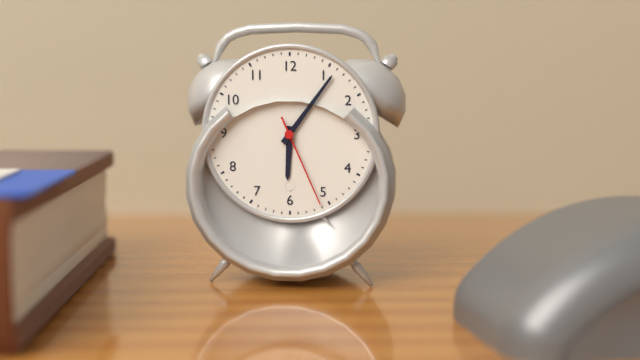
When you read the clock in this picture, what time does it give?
6:06:26
